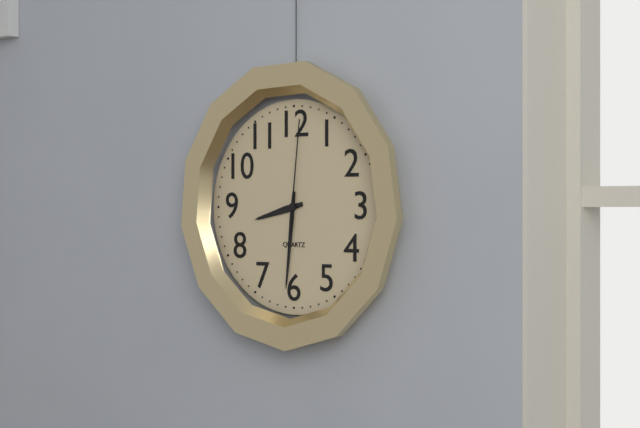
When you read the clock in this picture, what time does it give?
8:31:01
